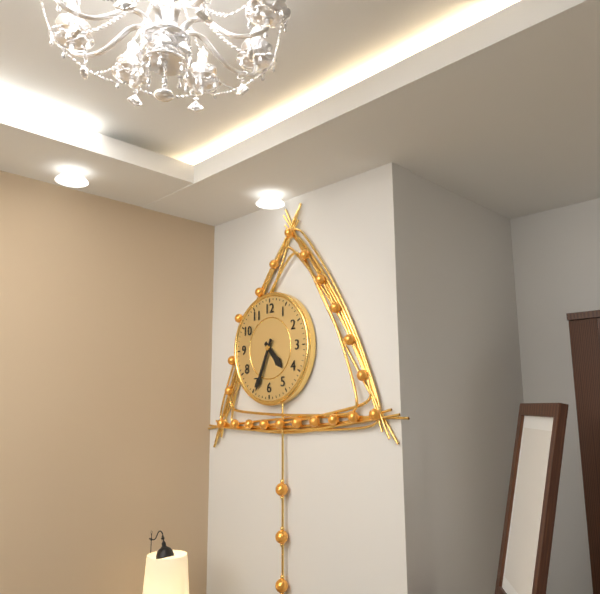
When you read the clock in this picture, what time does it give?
4:34
